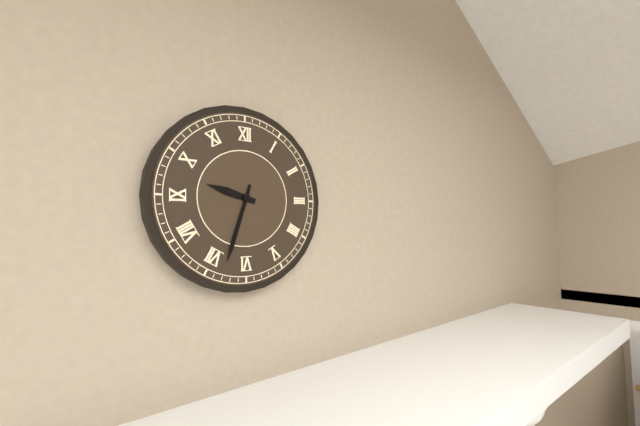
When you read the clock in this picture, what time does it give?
9:33
